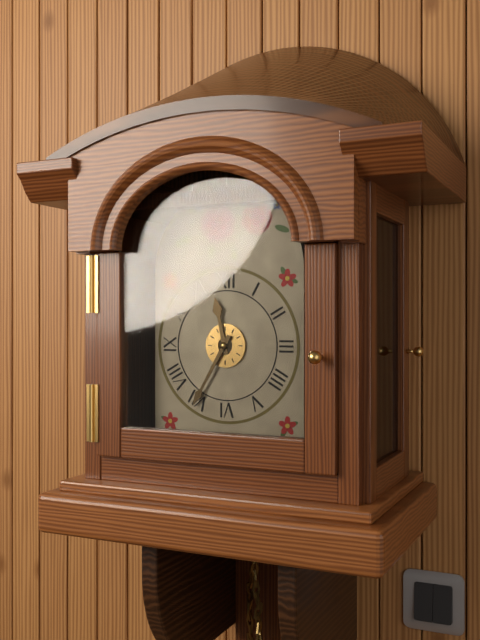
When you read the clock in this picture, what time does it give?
11:35
